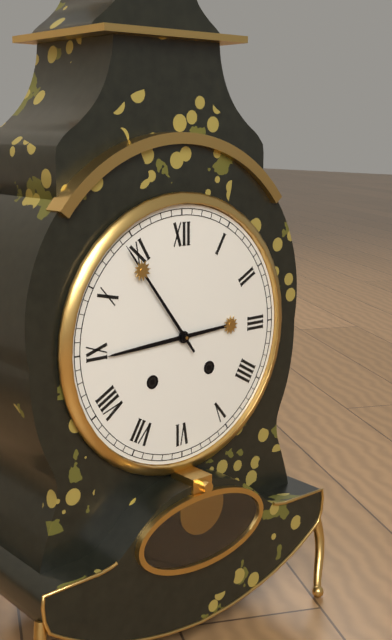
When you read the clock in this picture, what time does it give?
8:54
